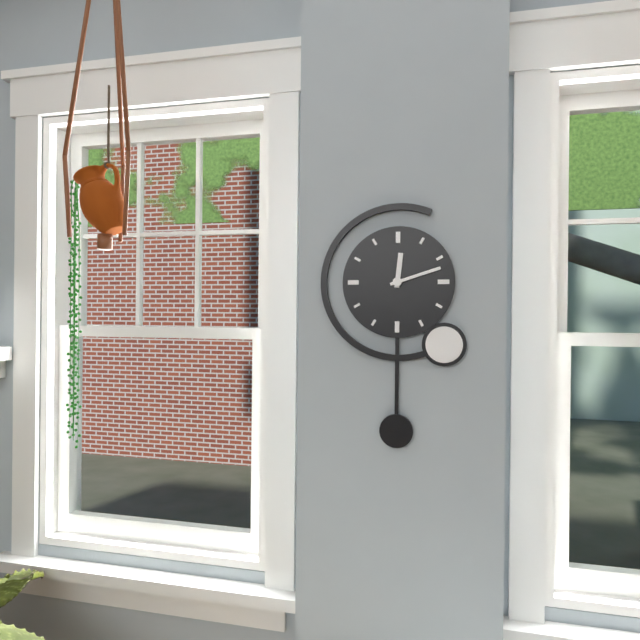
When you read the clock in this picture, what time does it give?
12:12
